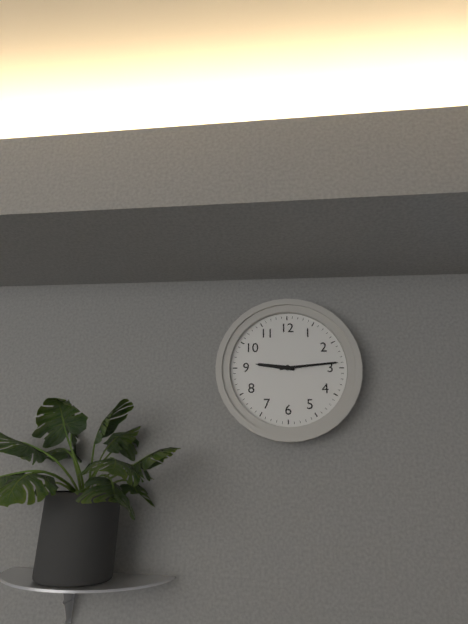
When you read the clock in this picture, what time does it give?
9:14
